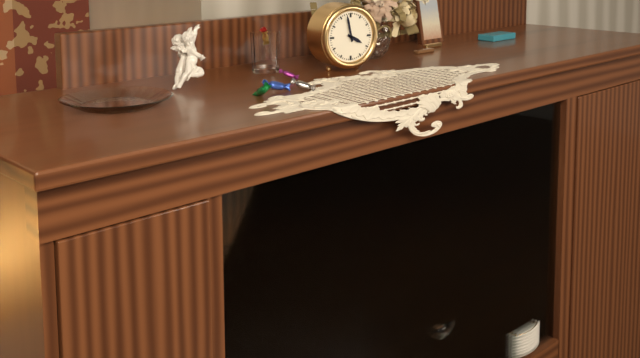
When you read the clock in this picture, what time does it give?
3:58
